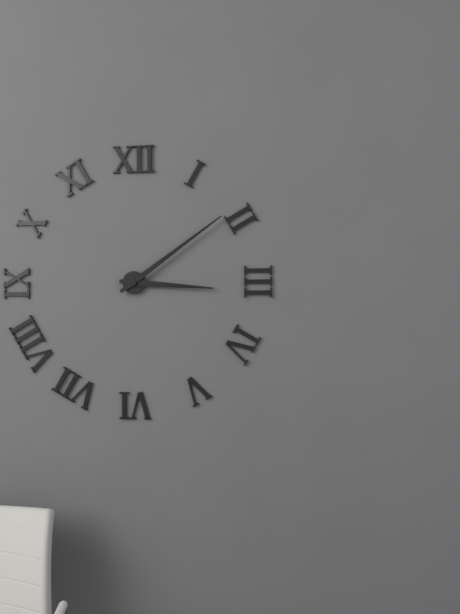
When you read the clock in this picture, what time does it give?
3:09
